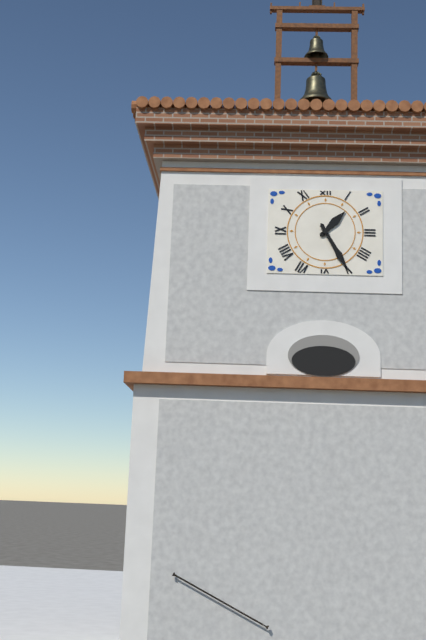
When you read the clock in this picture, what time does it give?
1:25
